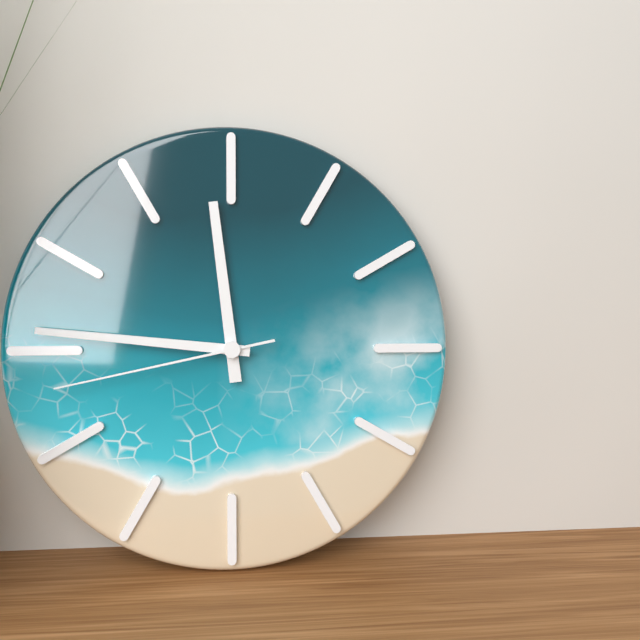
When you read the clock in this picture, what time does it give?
11:46:43
